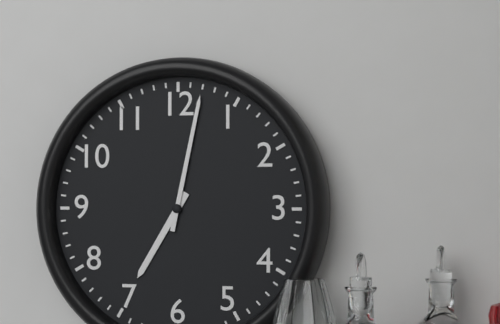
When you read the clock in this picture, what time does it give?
7:02
